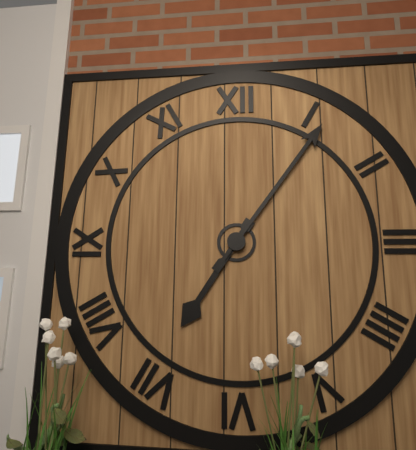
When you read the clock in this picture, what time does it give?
7:06
